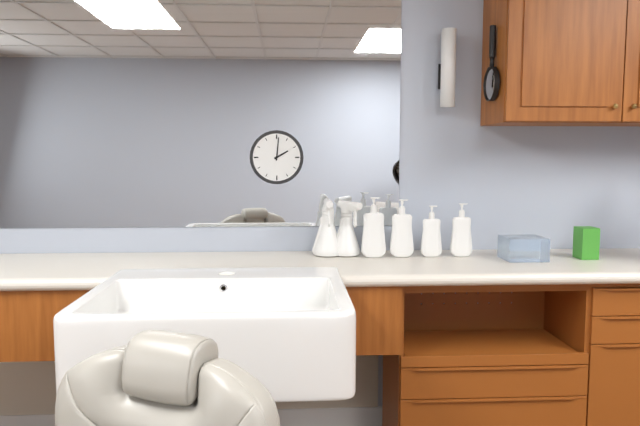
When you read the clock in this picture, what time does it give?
2:01
